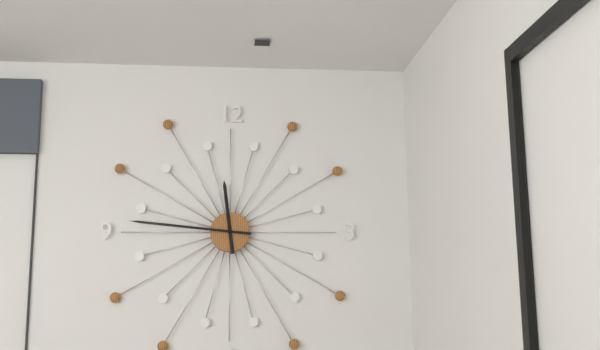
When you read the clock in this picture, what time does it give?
11:46
